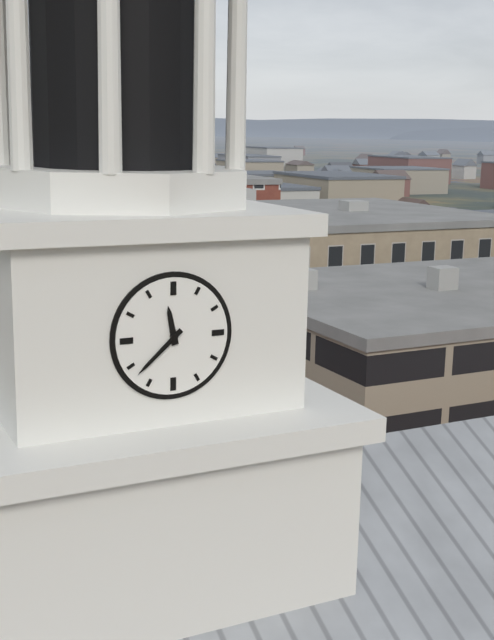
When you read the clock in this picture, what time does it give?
11:38
